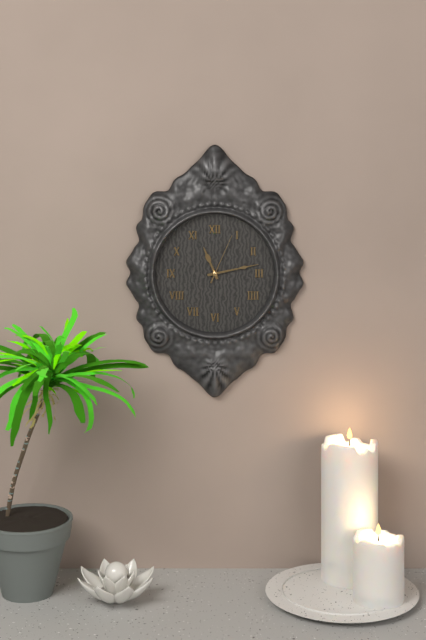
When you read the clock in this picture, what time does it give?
11:13:04
